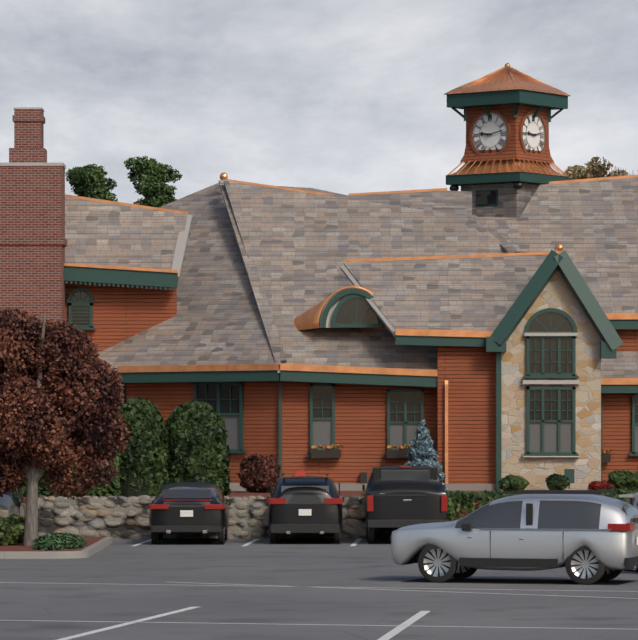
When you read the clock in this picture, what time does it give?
9:13
